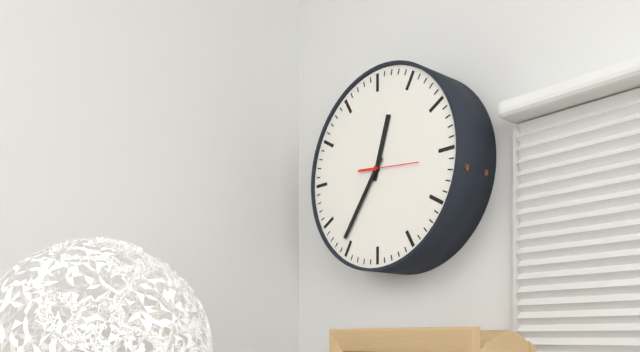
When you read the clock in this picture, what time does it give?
12:36:16
